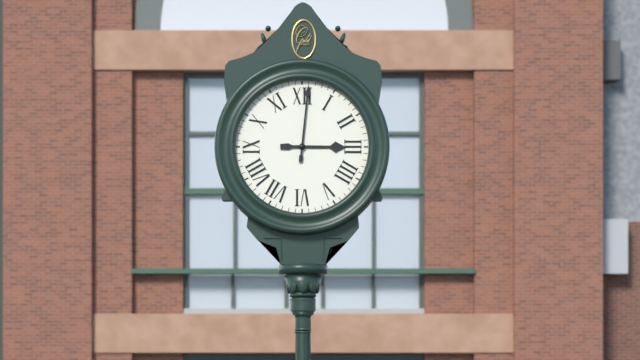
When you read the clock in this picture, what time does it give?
3:01
